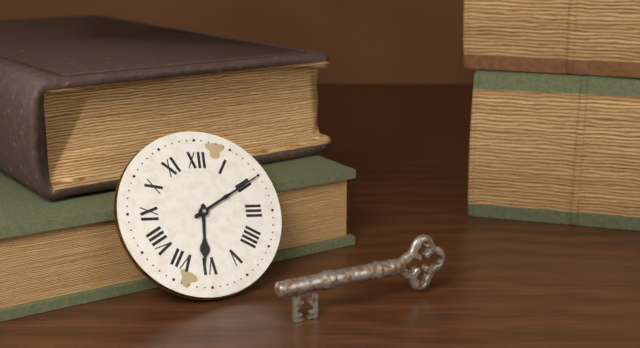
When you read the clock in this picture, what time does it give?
6:10
